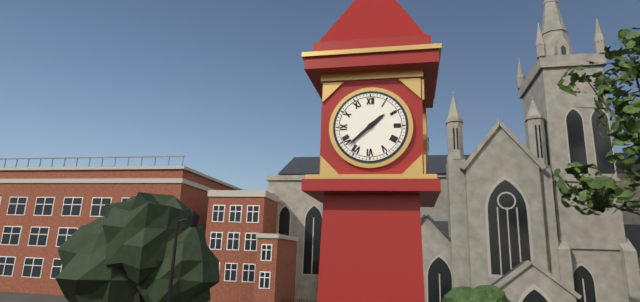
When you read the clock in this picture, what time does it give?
1:38
